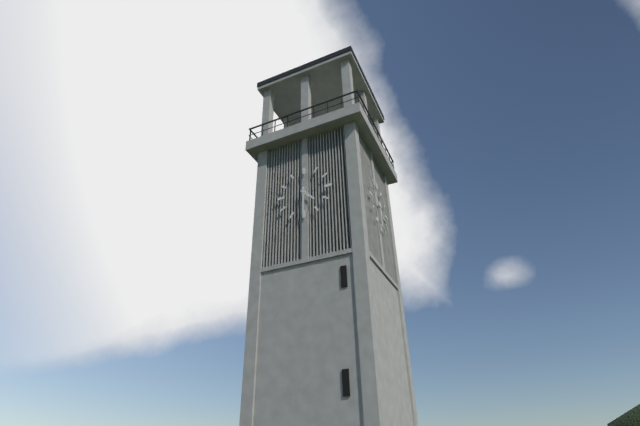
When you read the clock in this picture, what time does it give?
4:30
